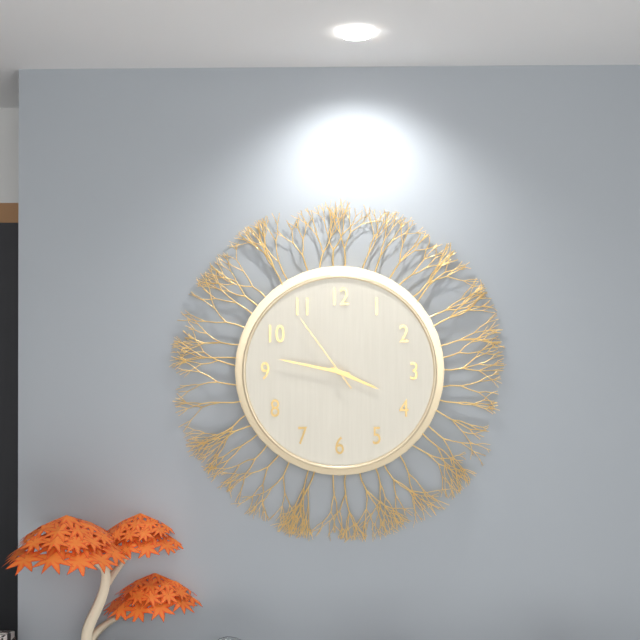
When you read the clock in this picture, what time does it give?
3:47:54
